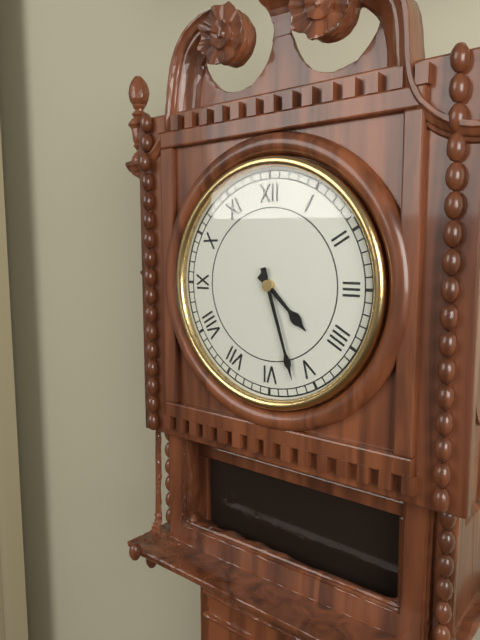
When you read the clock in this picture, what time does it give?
4:27
